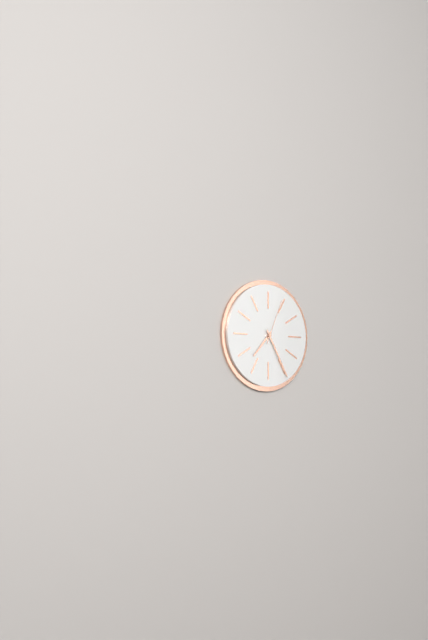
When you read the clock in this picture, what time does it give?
7:25:04
